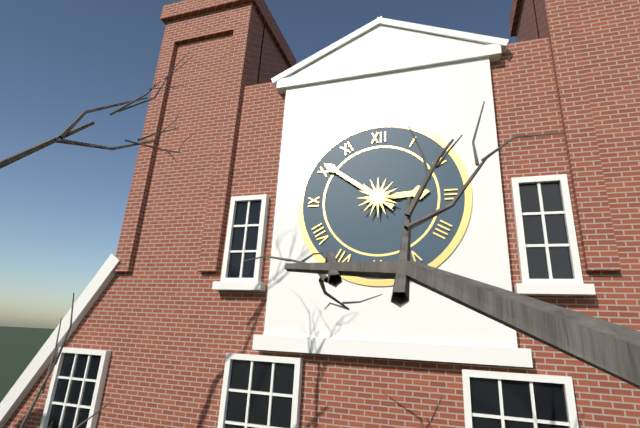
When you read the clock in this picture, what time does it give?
2:51
